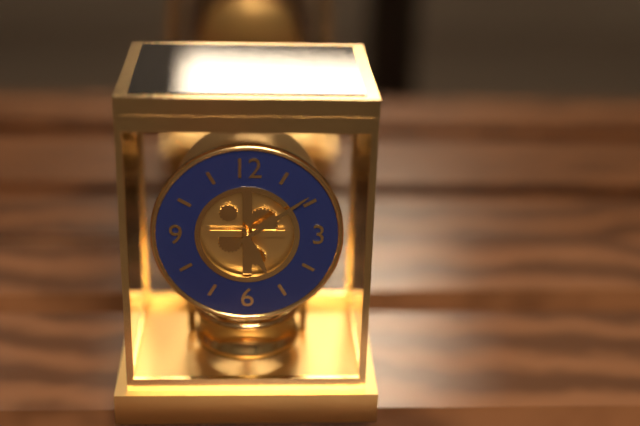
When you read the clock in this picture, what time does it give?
5:09
